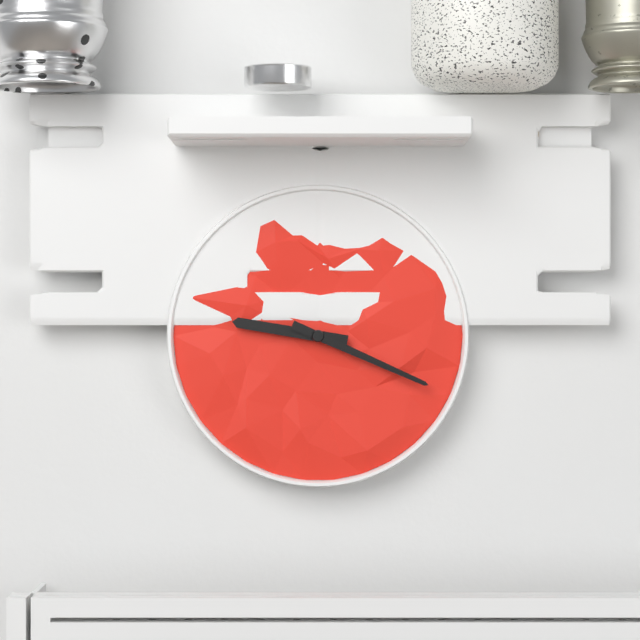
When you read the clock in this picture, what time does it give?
9:19
